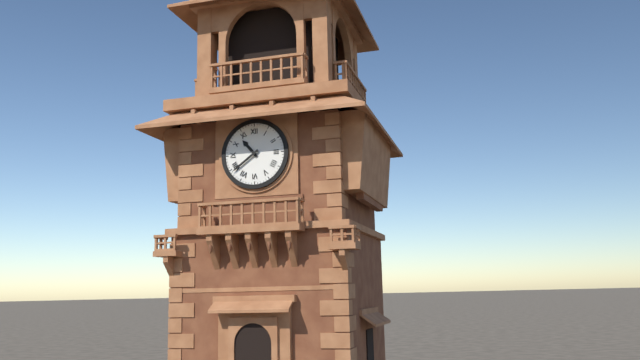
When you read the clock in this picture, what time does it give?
10:39
